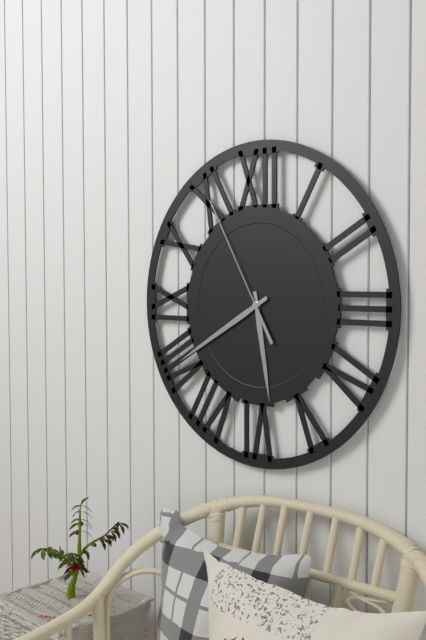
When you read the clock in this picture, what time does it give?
5:40:55
